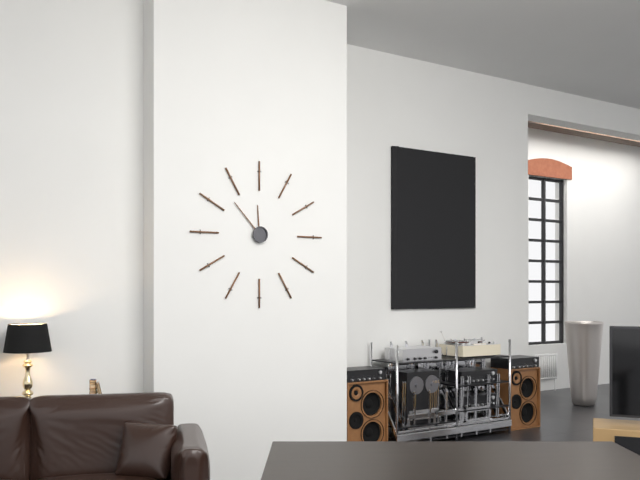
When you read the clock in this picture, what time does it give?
11:53
